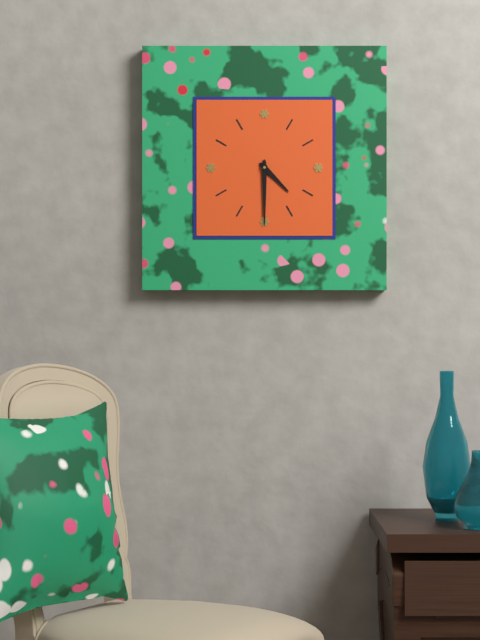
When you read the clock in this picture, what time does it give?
4:30
